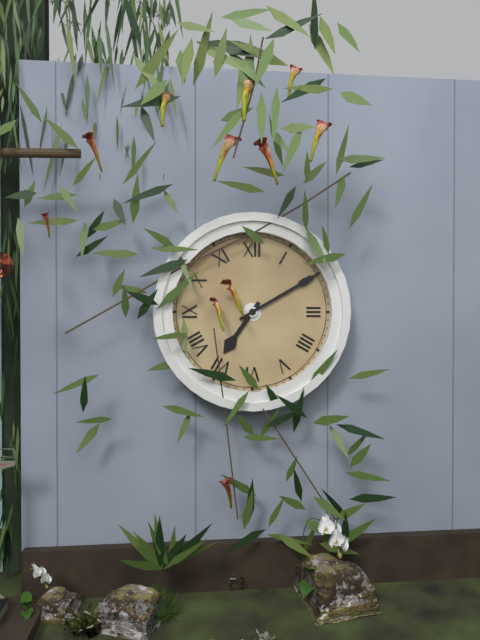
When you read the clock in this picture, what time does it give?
7:10
